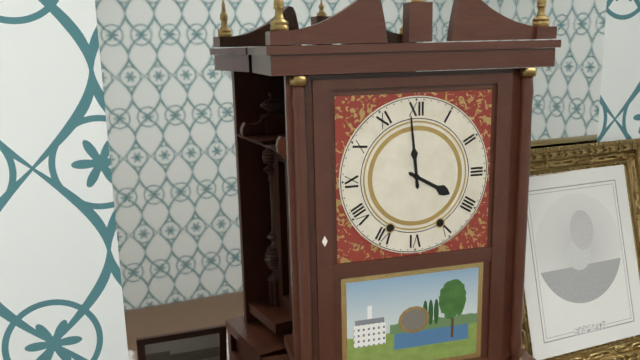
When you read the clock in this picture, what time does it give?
3:59
